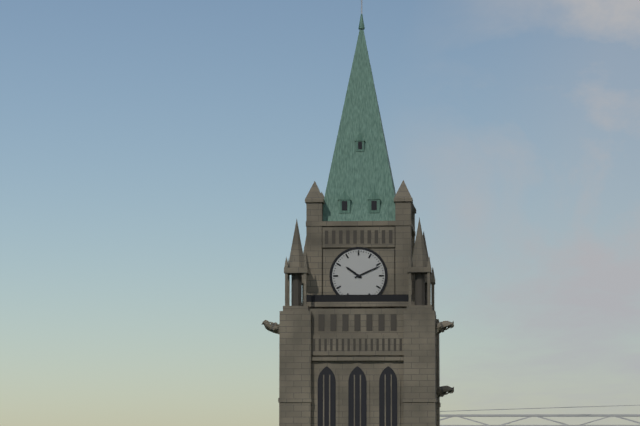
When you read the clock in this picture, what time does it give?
10:11
